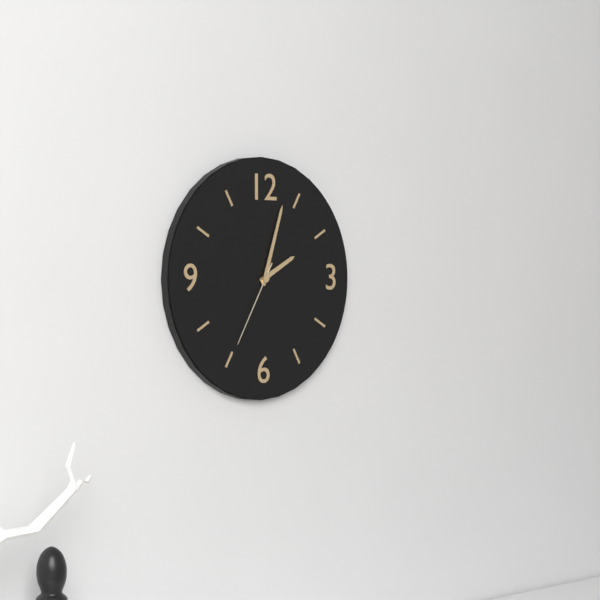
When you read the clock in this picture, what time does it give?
2:03:35
